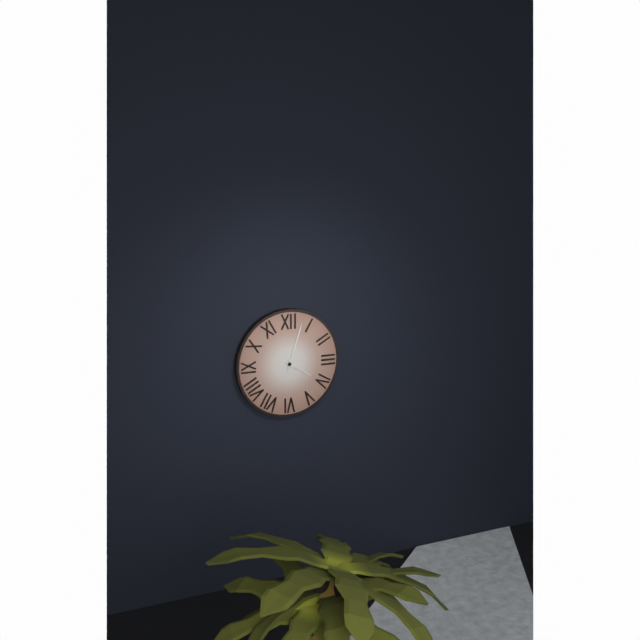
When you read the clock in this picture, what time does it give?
4:03
